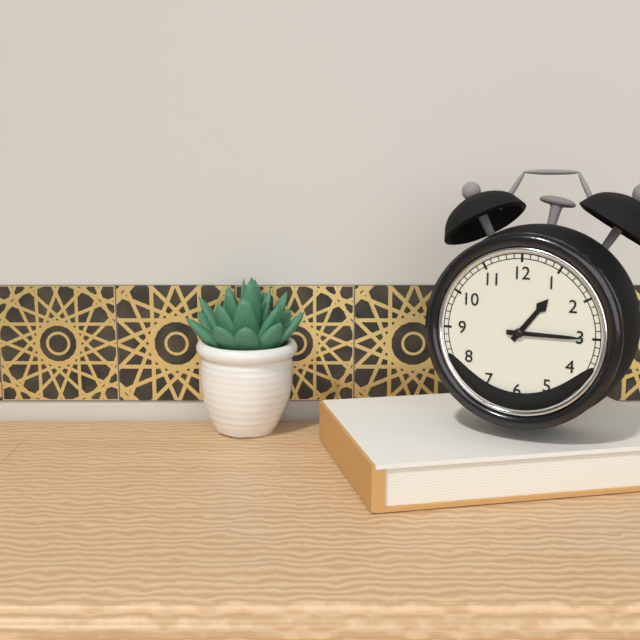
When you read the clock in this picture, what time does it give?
1:15
